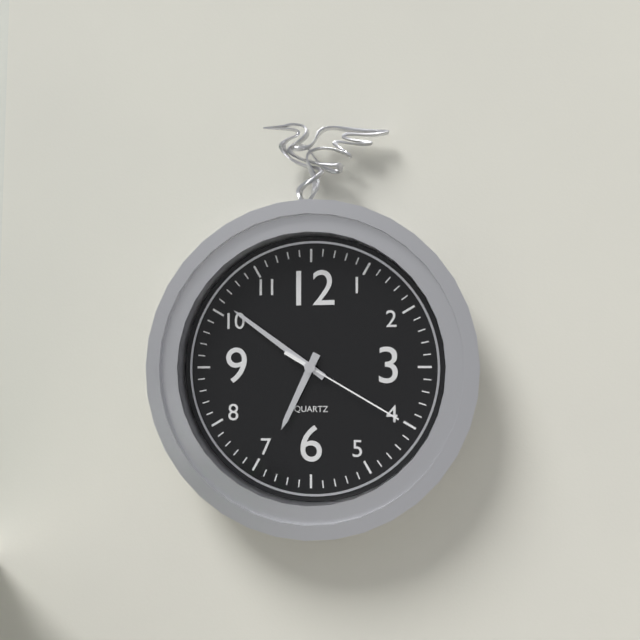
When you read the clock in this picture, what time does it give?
6:51:20
